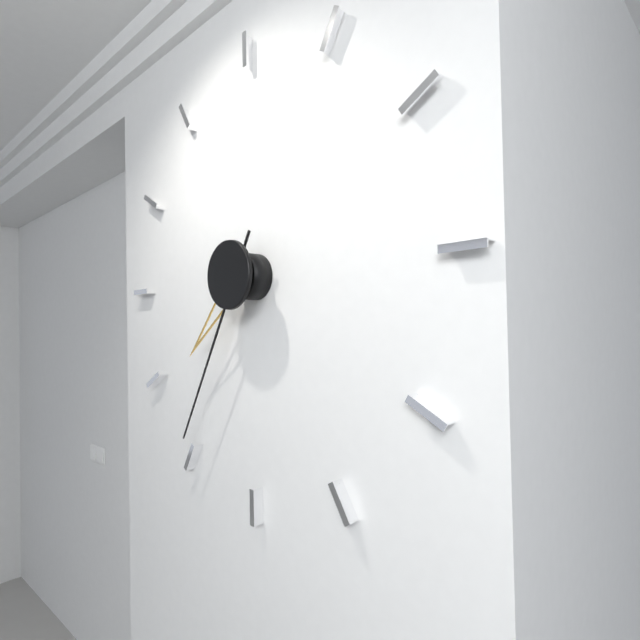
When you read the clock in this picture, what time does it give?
7:35
